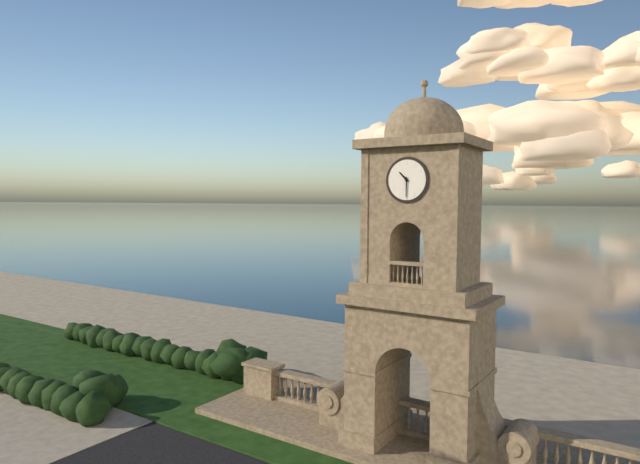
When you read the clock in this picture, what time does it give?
10:30
